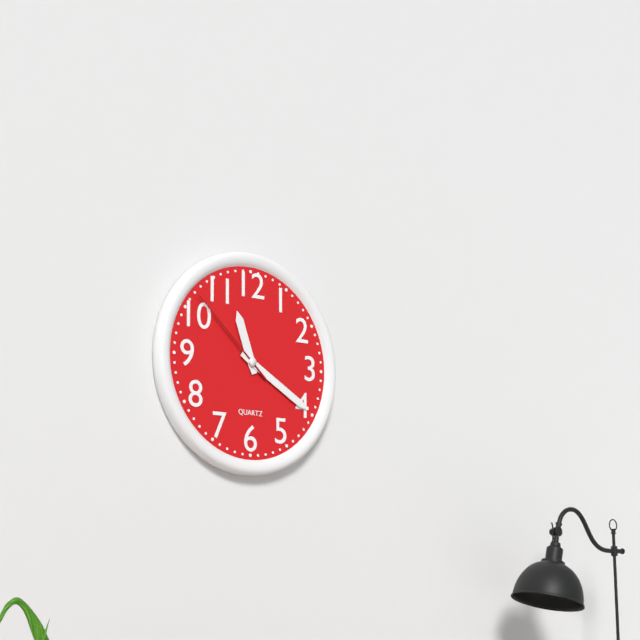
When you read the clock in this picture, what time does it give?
11:20:52
